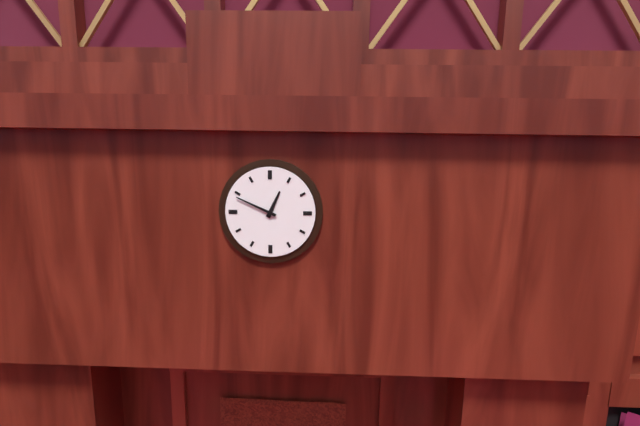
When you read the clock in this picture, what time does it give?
12:49
